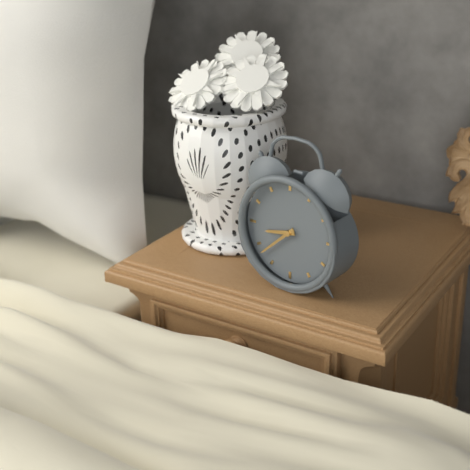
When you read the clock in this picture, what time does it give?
8:38
